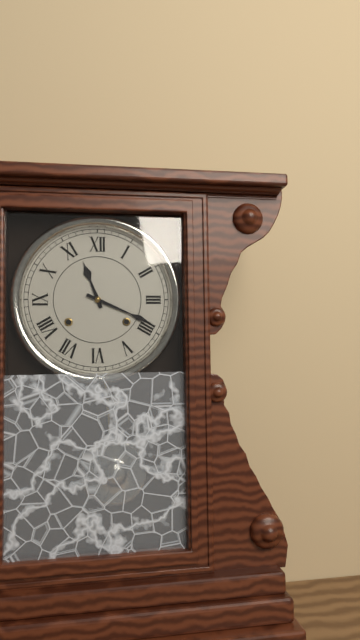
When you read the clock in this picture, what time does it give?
11:19
